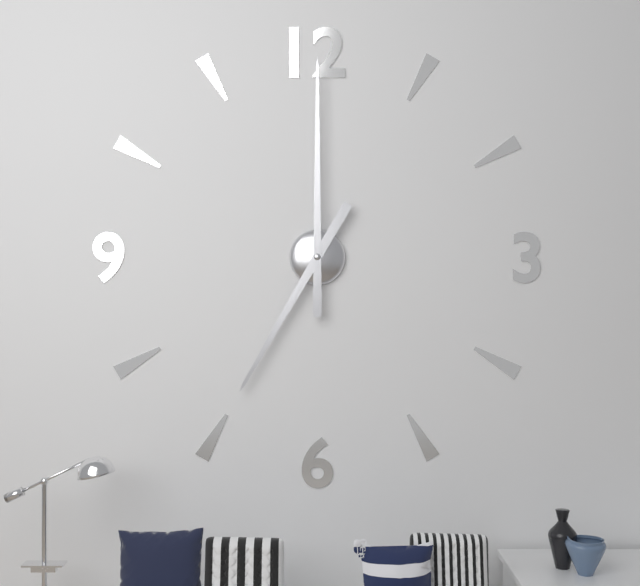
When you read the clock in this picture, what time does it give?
7:00
